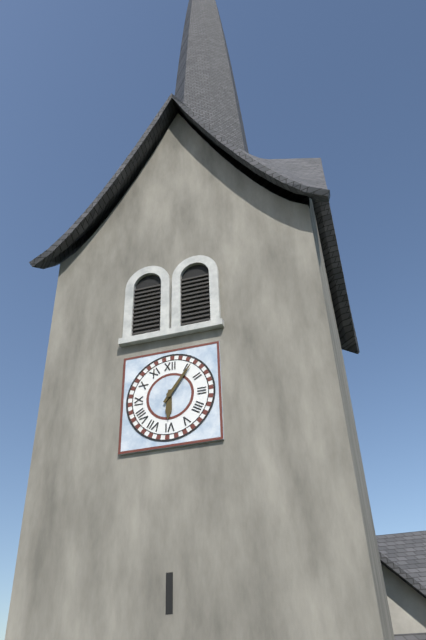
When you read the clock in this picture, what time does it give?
6:06
